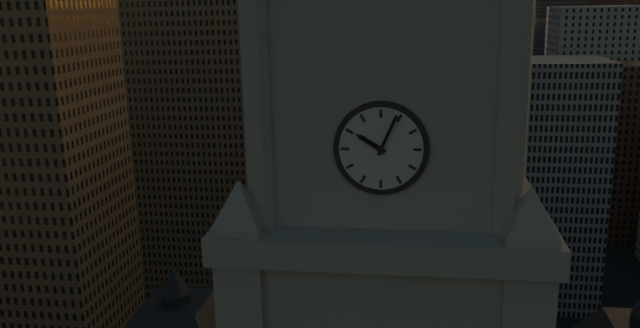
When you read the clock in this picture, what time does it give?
10:04
